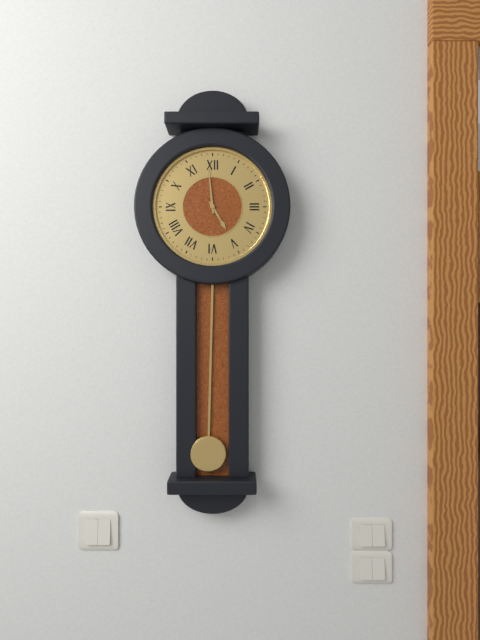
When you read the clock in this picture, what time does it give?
4:59
